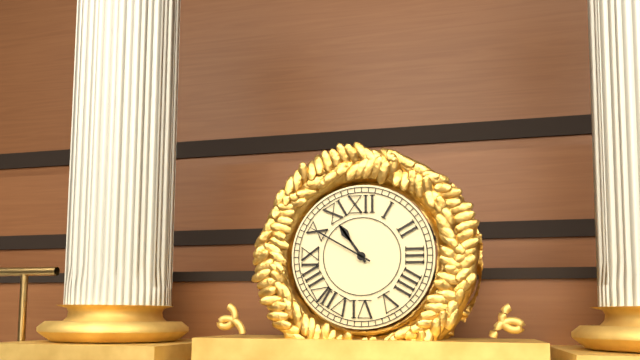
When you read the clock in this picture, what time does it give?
10:50
